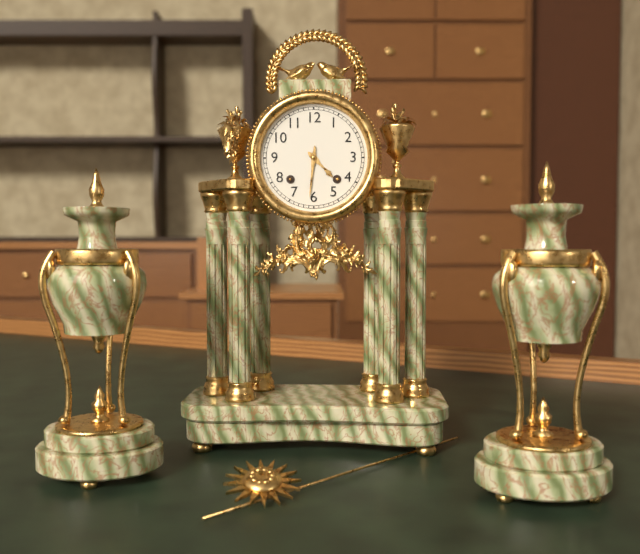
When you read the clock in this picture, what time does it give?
4:31
